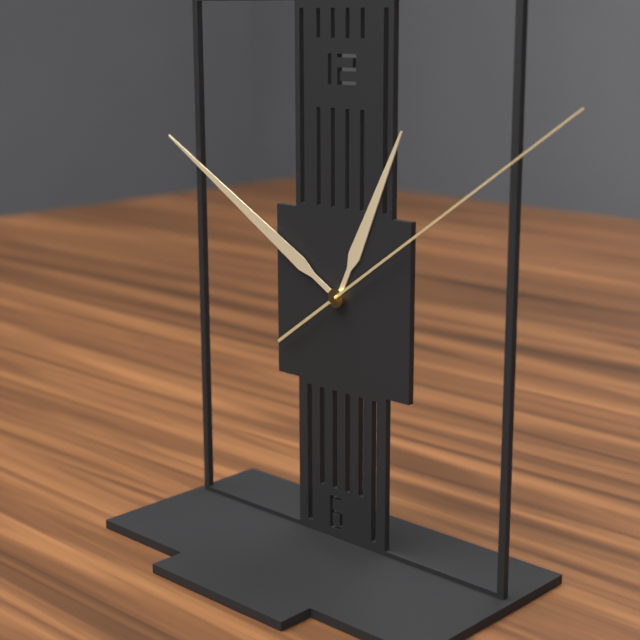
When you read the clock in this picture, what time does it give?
12:50:09
